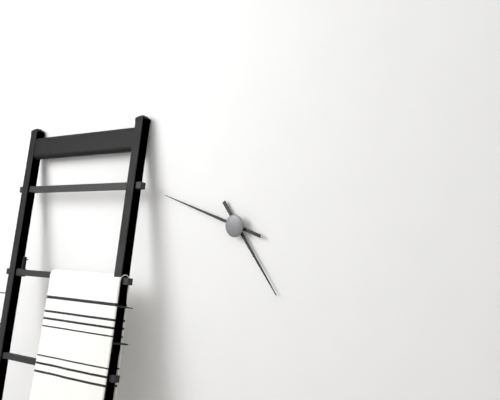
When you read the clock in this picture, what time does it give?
4:48
